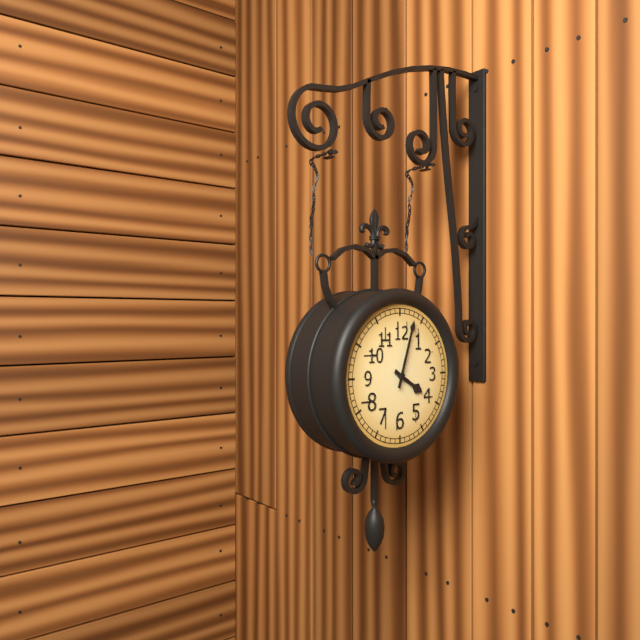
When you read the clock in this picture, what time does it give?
4:03
